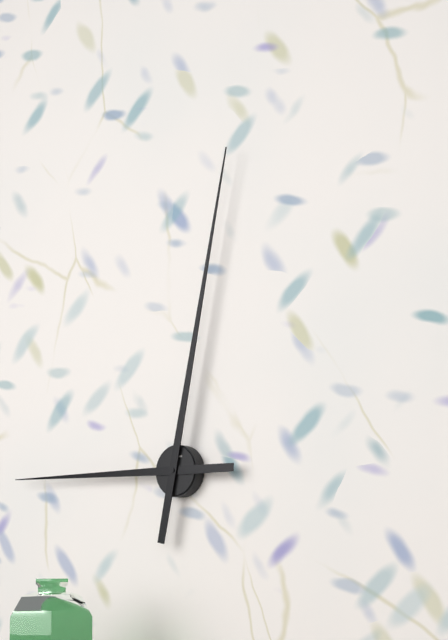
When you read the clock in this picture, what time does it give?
9:02
